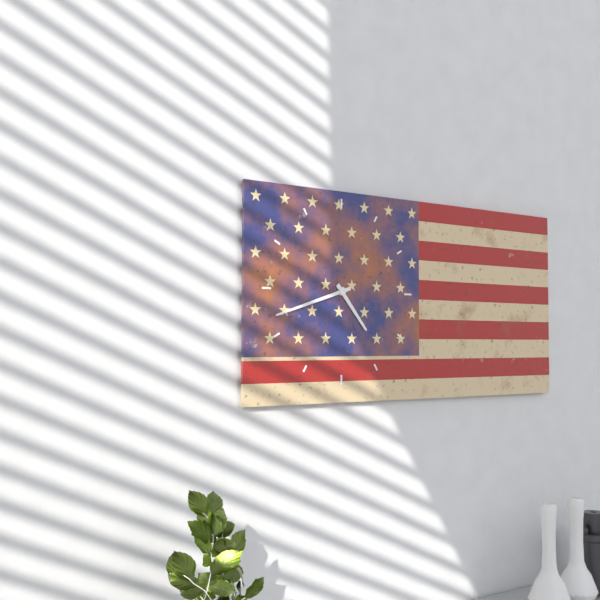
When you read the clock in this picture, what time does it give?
4:42
